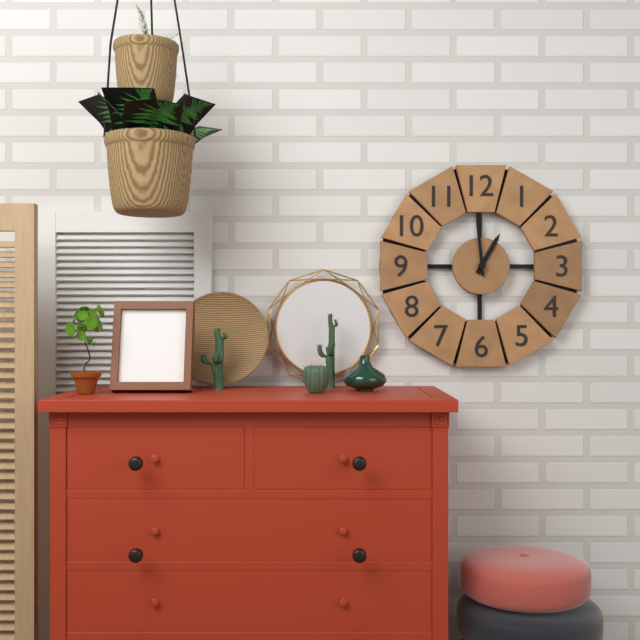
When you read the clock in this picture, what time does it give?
12:59
